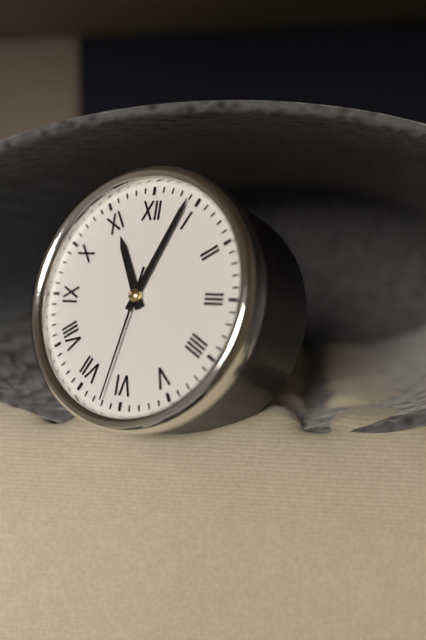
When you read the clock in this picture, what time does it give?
11:04:32
